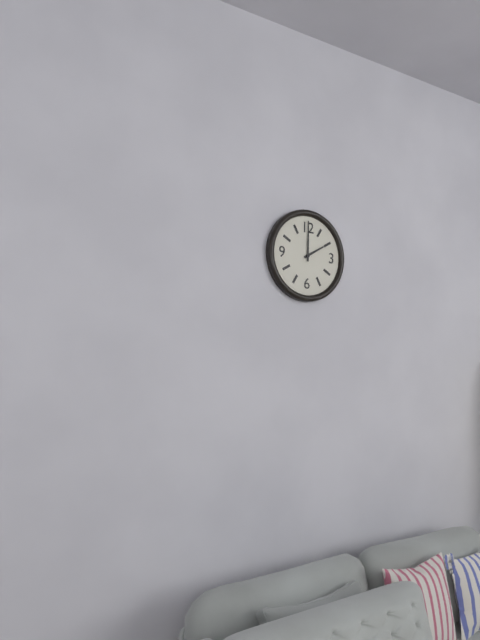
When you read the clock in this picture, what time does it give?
2:00
